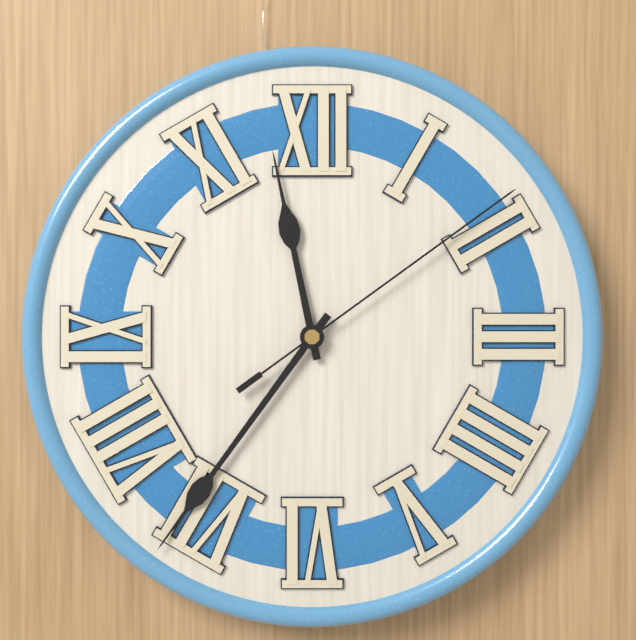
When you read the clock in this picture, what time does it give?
11:36:09
